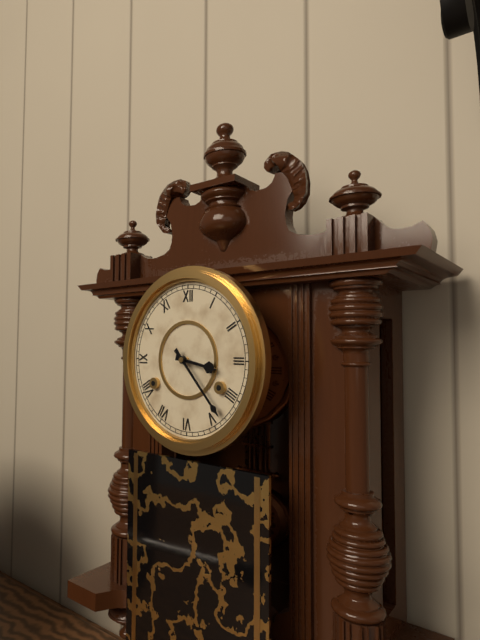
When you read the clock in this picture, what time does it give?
3:23
